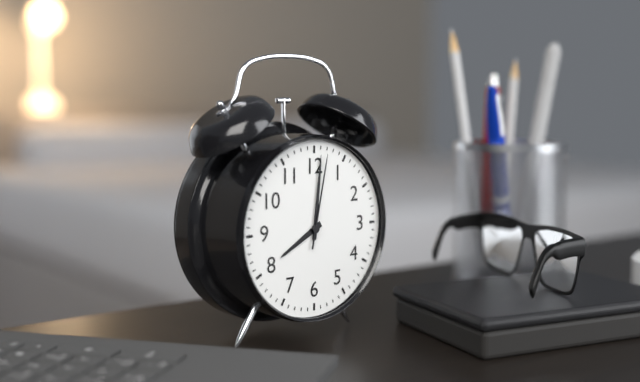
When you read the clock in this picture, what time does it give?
8:01:02
